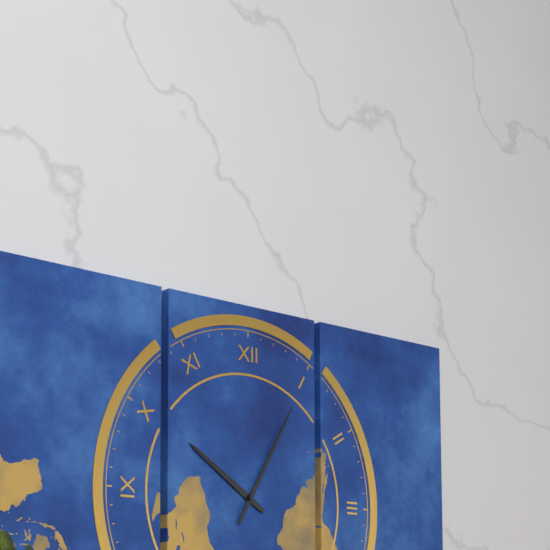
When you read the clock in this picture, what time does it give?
10:05
